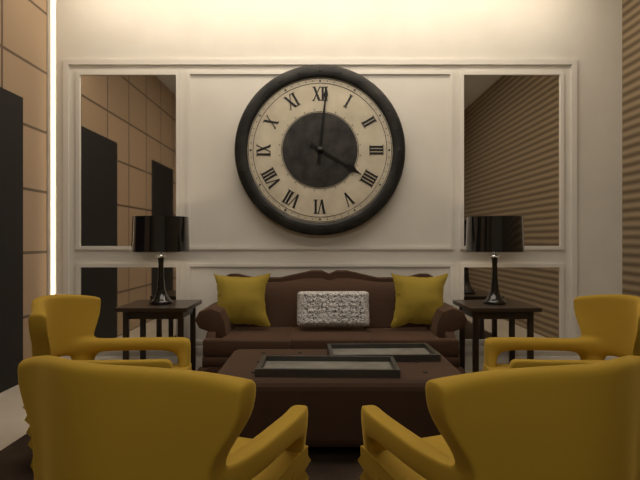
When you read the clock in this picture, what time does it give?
4:01
